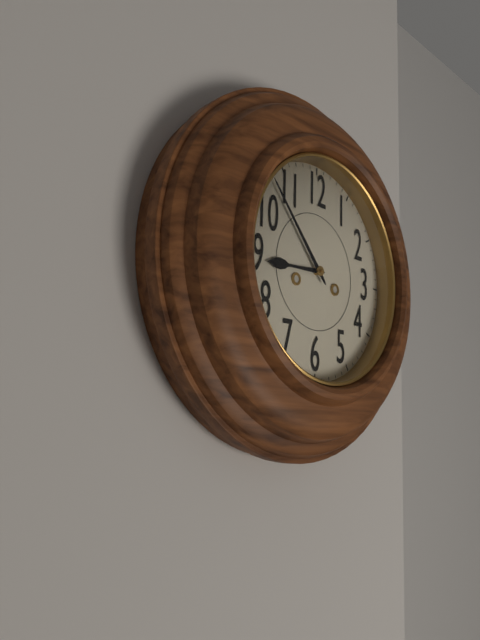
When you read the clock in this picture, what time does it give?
8:53
